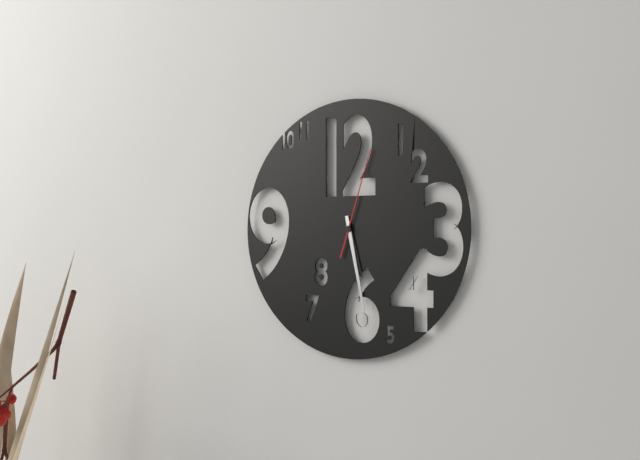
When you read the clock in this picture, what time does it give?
5:28:03
